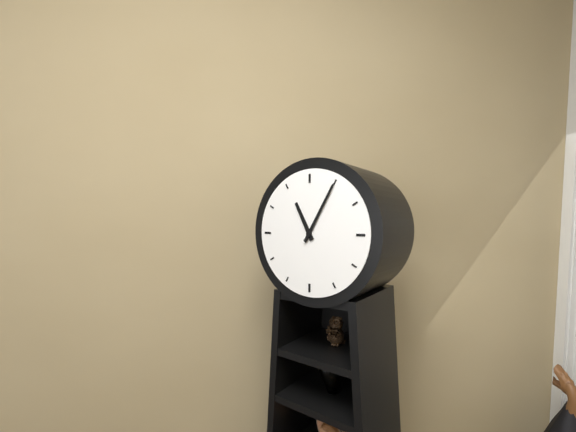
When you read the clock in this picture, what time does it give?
11:05
